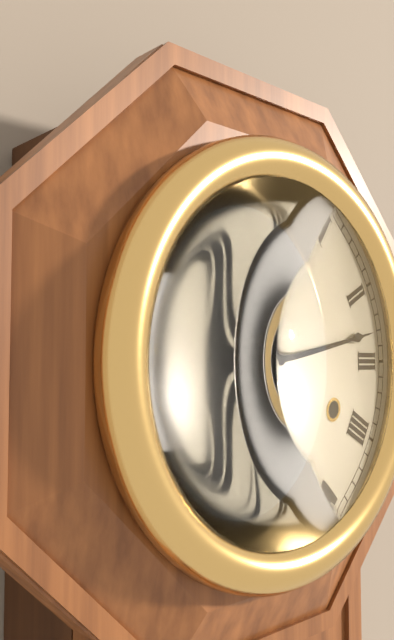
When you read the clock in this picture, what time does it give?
6:13
